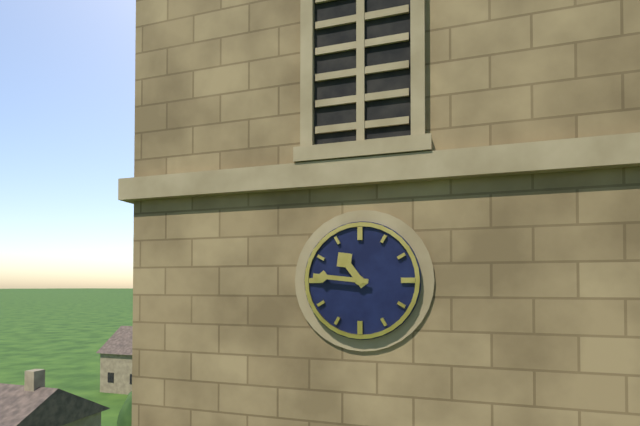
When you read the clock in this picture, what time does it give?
10:46
